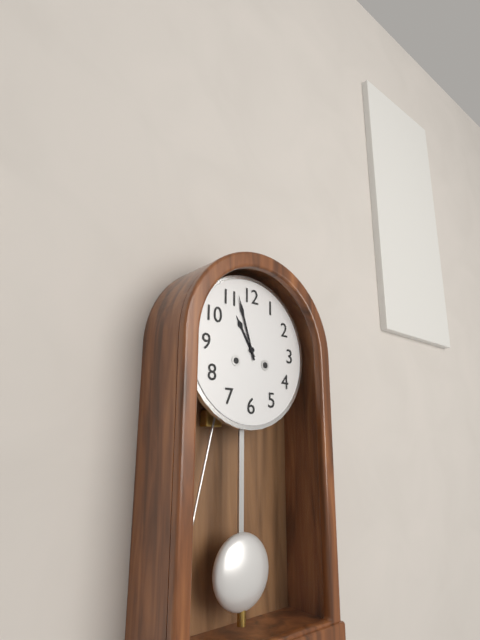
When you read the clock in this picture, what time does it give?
10:57
